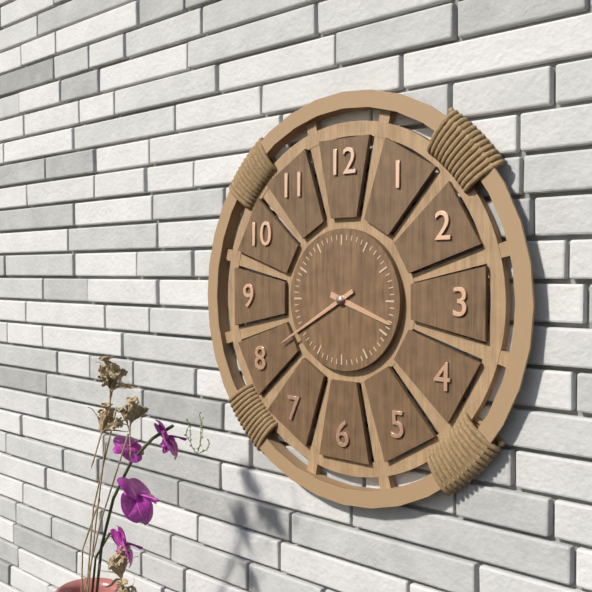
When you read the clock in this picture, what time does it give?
3:40
